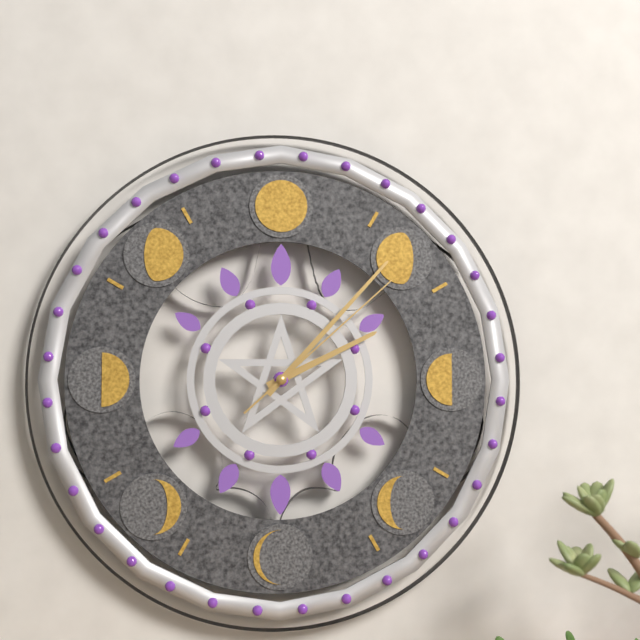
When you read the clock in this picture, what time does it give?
2:07:08
